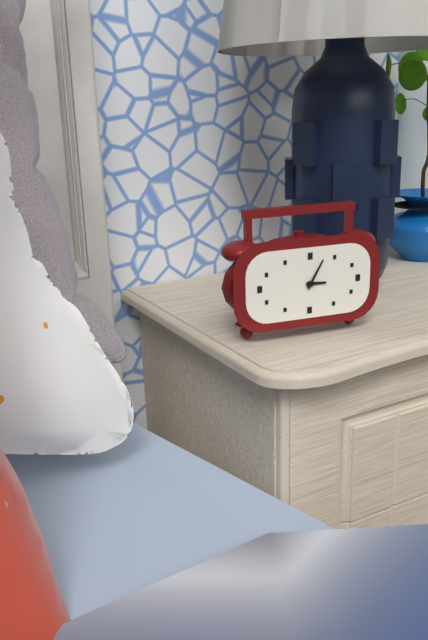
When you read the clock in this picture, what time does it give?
3:05
